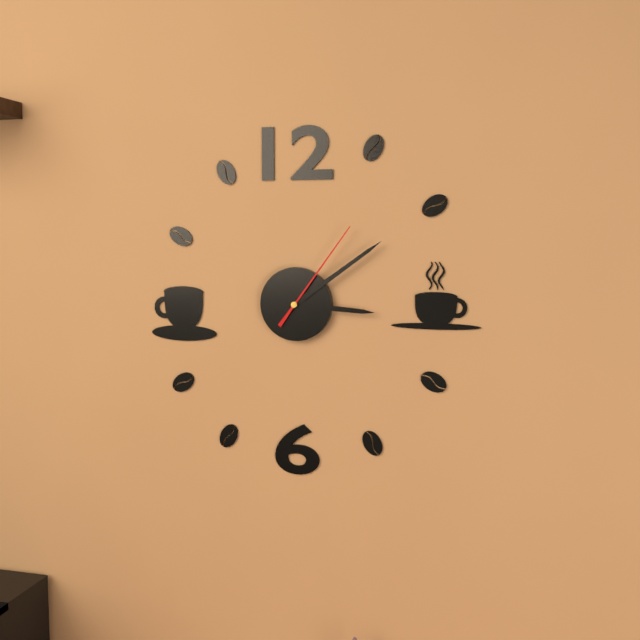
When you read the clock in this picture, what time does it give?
3:09:06
